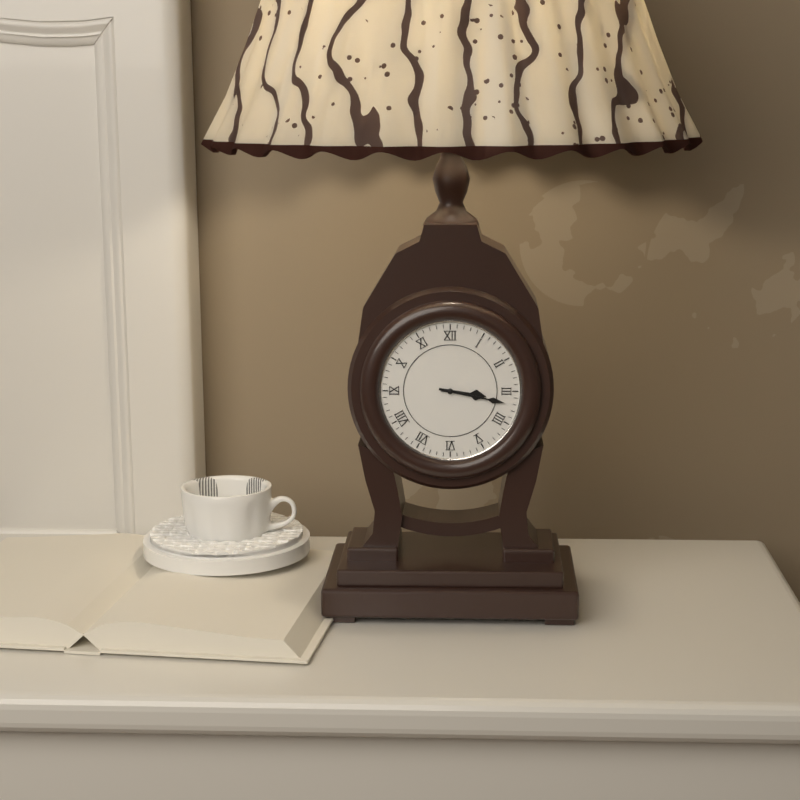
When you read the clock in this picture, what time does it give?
3:17
